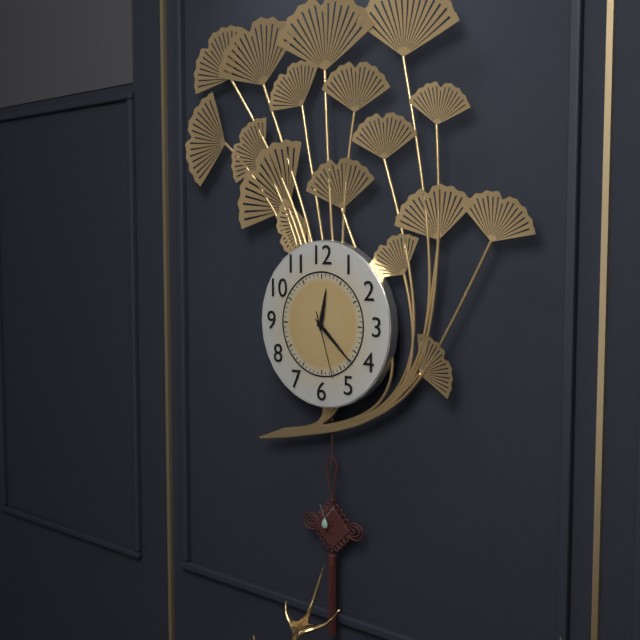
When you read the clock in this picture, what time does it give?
12:22:27
